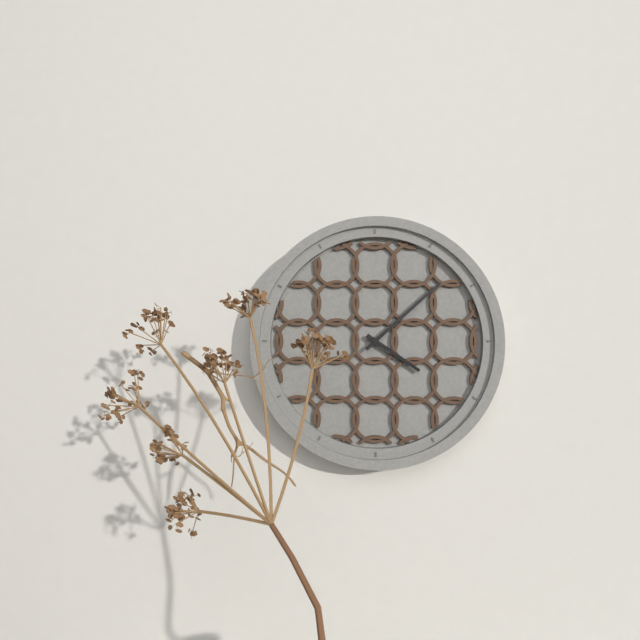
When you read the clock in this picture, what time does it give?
4:08
